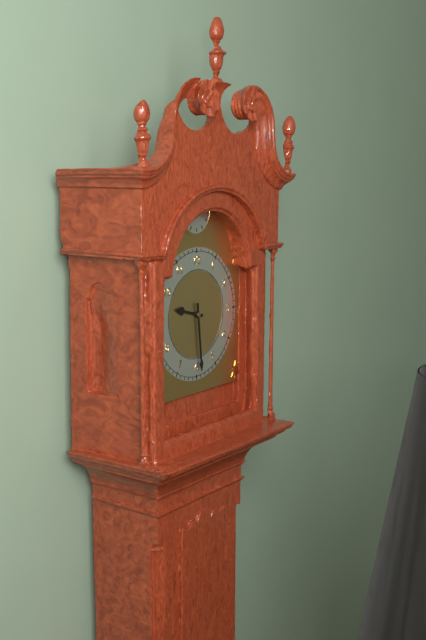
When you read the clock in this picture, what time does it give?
9:29
